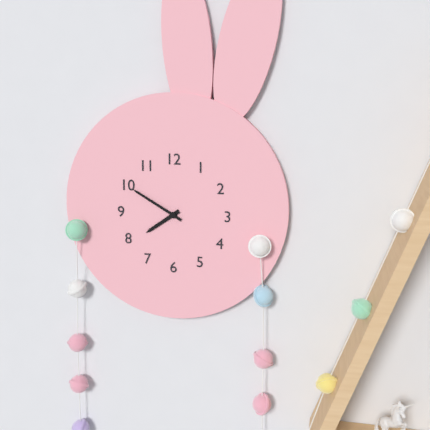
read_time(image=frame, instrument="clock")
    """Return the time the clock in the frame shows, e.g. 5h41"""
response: 7h50
